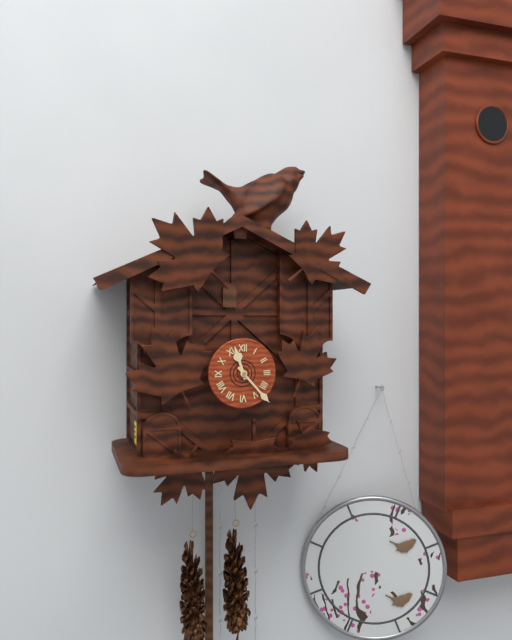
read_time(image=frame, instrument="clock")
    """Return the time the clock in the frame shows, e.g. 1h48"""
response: 11h23
